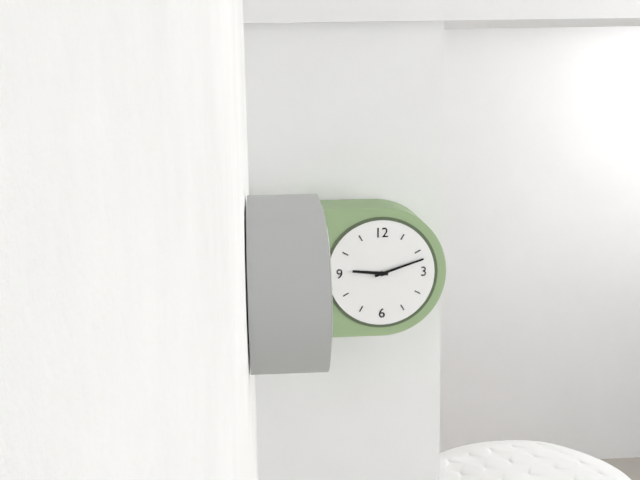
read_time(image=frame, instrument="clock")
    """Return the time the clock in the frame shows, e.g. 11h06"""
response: 9h12
